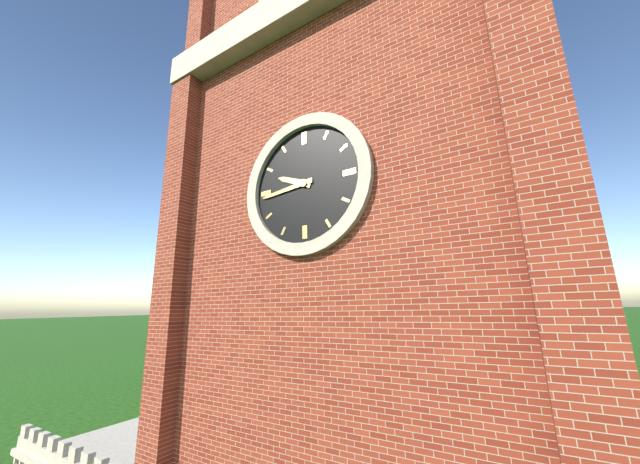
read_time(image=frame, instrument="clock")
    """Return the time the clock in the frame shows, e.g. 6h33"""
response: 9h44
